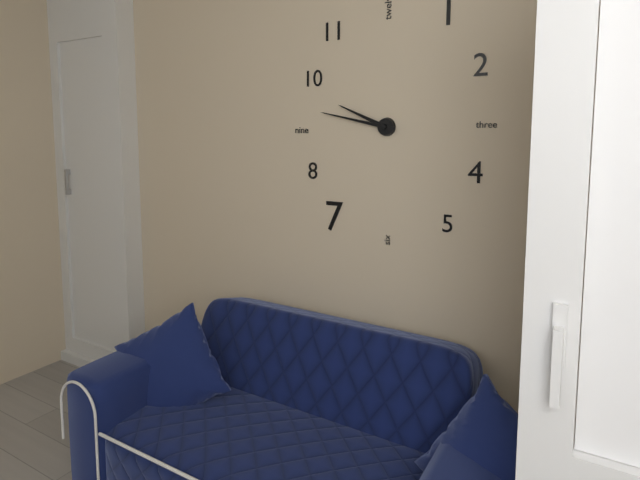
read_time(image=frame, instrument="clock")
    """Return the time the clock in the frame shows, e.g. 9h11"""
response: 9h47
